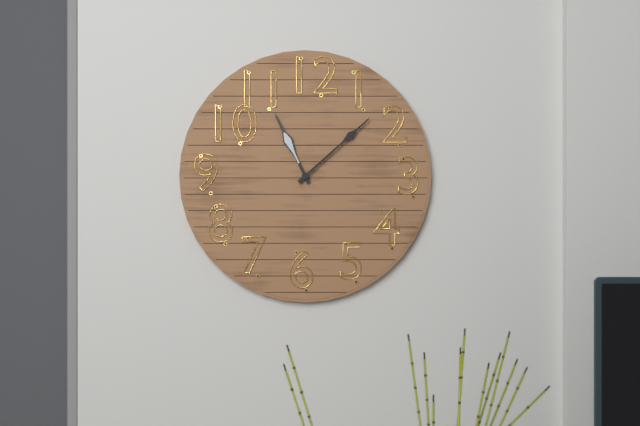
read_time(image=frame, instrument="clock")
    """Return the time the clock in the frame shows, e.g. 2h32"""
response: 11h08
